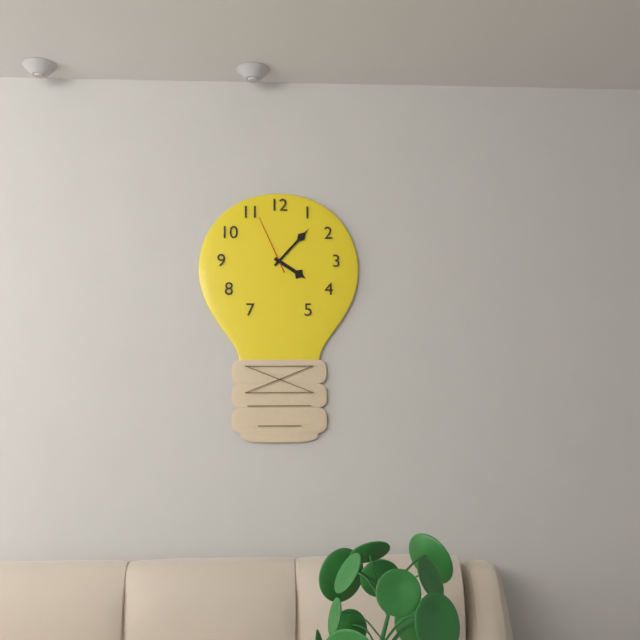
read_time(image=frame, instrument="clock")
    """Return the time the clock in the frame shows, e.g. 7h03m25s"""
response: 4h07m56s
